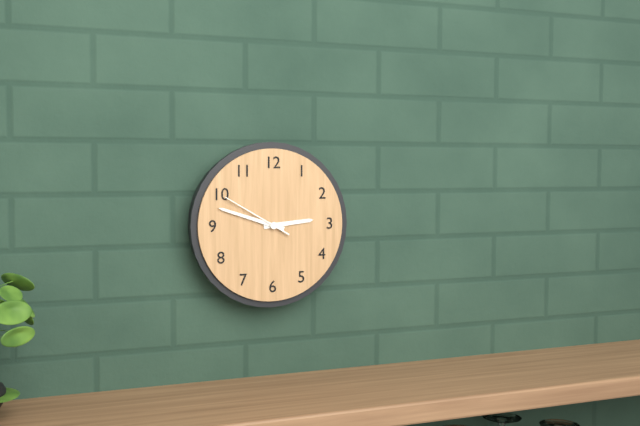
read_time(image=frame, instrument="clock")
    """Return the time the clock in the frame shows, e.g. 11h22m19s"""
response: 2h48m50s
